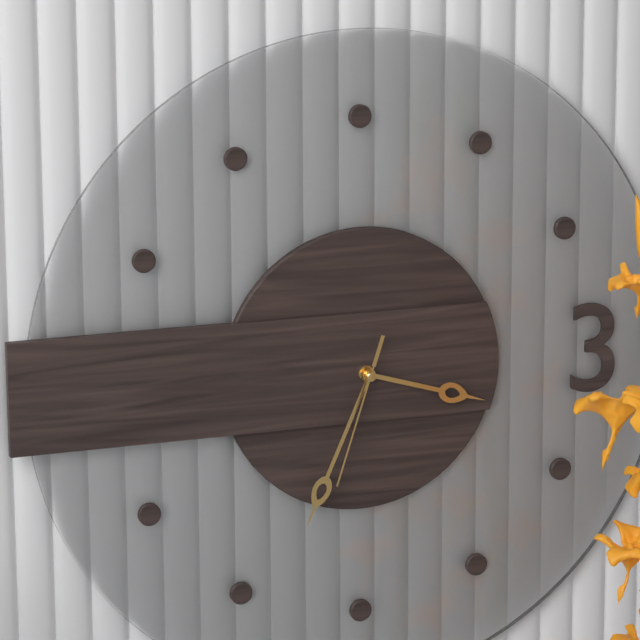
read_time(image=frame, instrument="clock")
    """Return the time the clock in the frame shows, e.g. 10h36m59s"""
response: 3h34m33s
